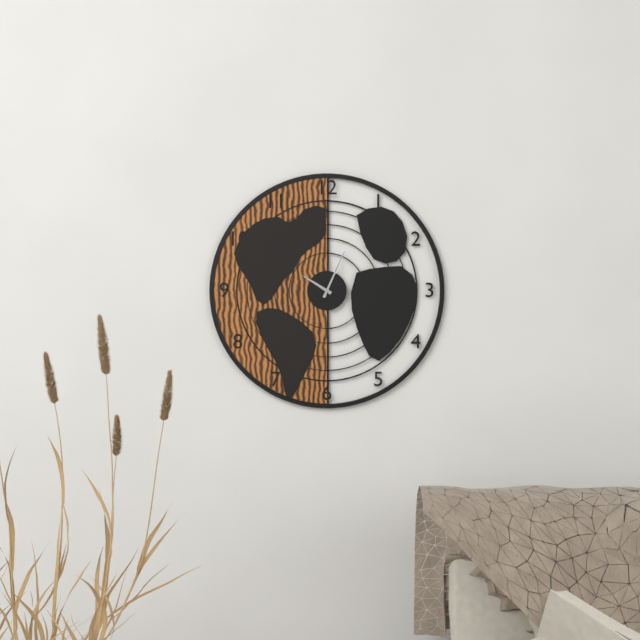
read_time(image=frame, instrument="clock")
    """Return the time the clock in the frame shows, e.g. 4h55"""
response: 10h04
